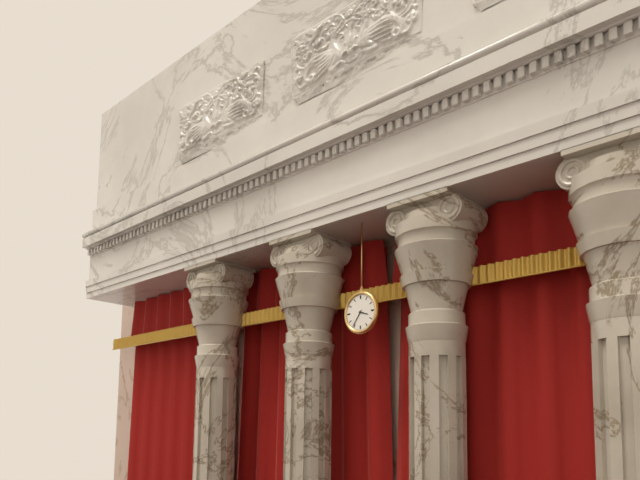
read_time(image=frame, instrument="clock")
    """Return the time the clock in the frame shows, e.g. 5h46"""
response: 3h36
